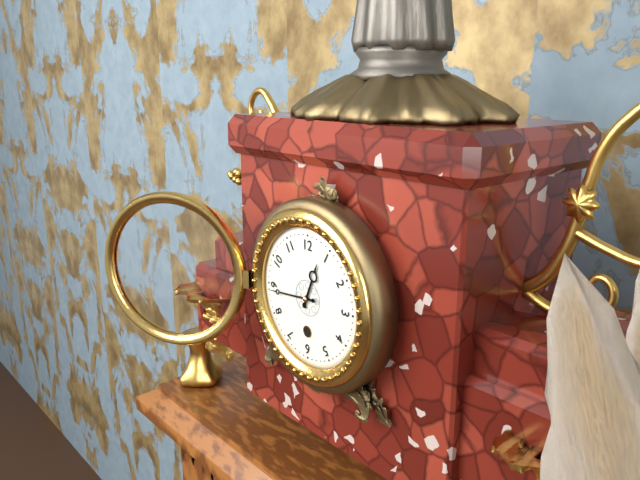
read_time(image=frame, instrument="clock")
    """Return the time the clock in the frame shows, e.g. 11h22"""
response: 12h44
